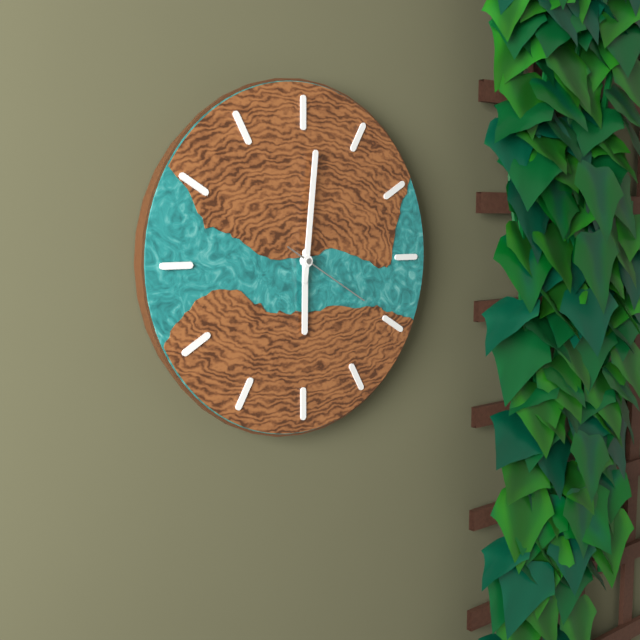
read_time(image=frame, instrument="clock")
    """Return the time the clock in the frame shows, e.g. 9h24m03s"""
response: 6h01m20s
